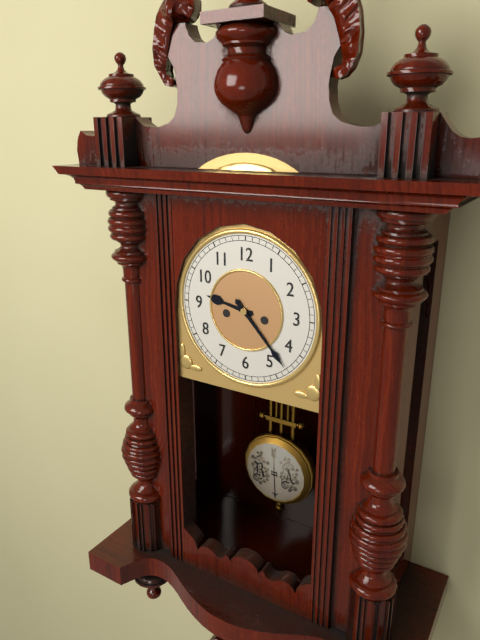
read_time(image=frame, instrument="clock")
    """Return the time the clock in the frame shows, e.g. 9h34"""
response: 9h23
